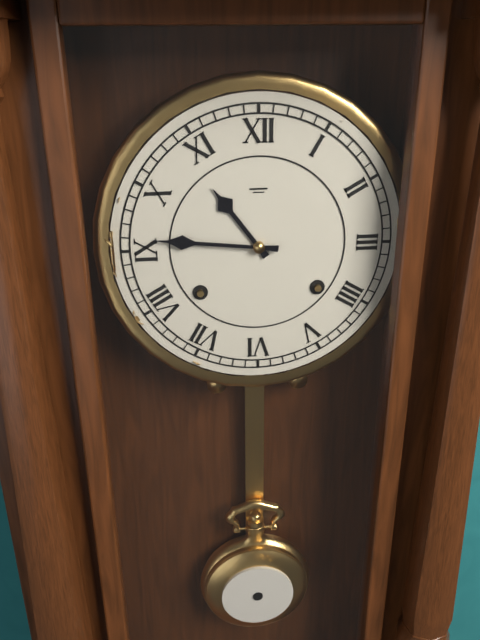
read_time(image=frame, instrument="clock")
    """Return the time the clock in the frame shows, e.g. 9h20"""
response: 10h46
